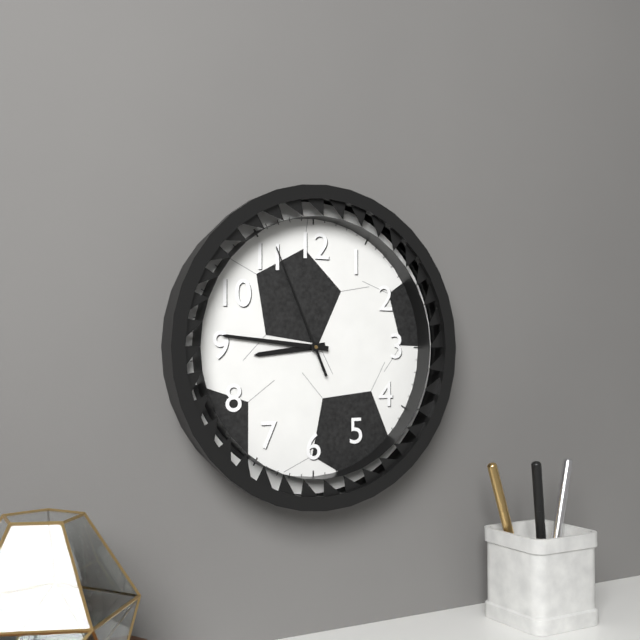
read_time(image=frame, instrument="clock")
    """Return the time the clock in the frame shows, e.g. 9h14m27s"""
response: 8h46m56s
